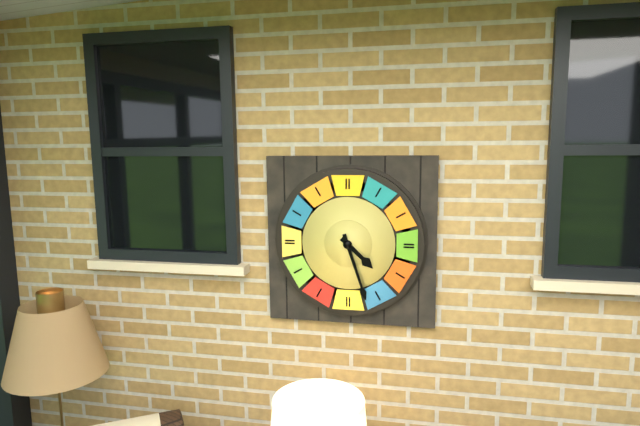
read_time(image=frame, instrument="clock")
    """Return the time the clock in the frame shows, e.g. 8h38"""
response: 4h27
